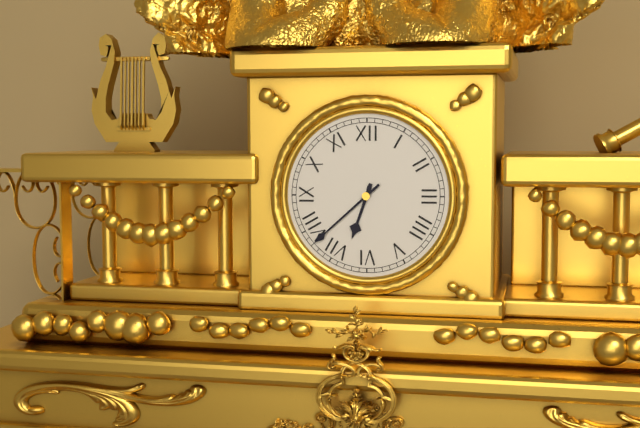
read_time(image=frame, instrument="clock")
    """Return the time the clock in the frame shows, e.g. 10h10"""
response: 6h38
